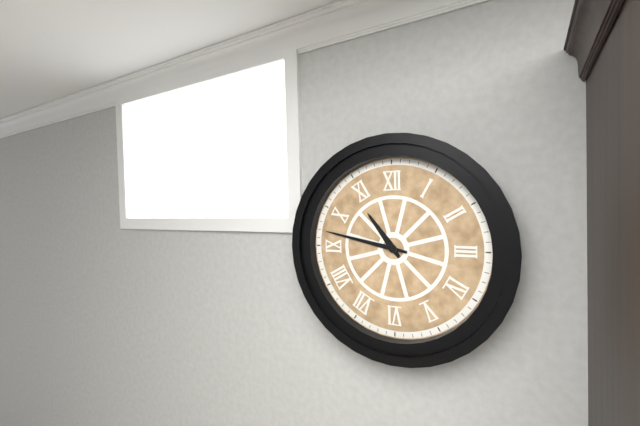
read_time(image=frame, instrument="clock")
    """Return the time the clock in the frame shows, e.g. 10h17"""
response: 10h47
